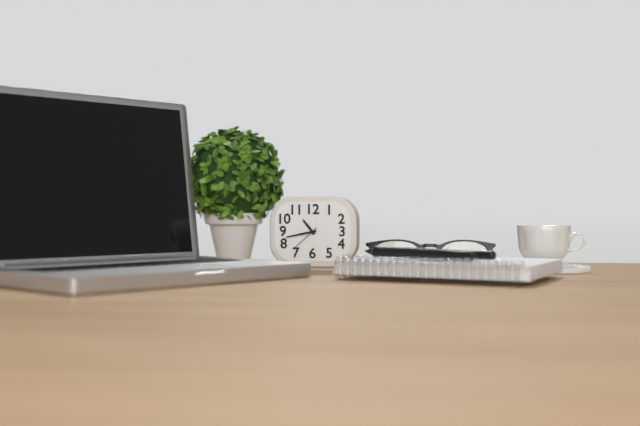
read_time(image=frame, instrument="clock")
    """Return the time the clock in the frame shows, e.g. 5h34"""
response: 10h43
